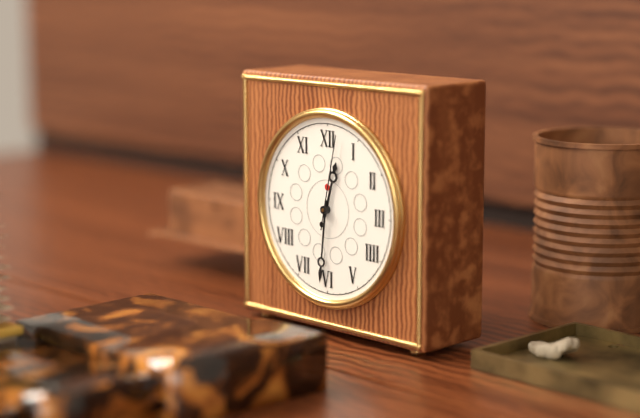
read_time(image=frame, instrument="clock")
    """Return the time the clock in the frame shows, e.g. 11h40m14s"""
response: 12h31m02s
